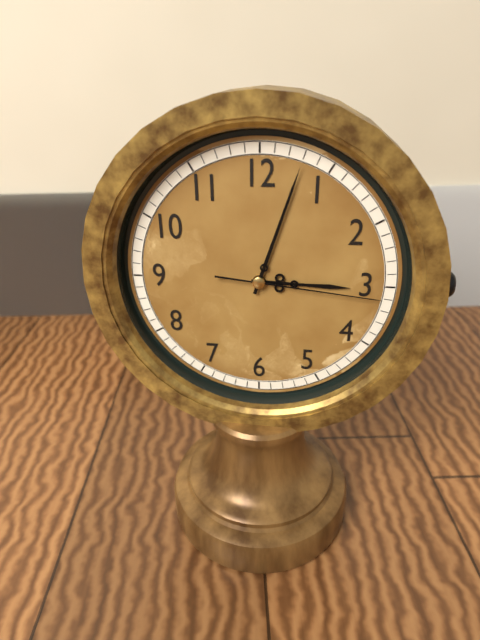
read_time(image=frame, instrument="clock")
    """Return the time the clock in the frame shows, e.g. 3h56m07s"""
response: 3h03m16s
